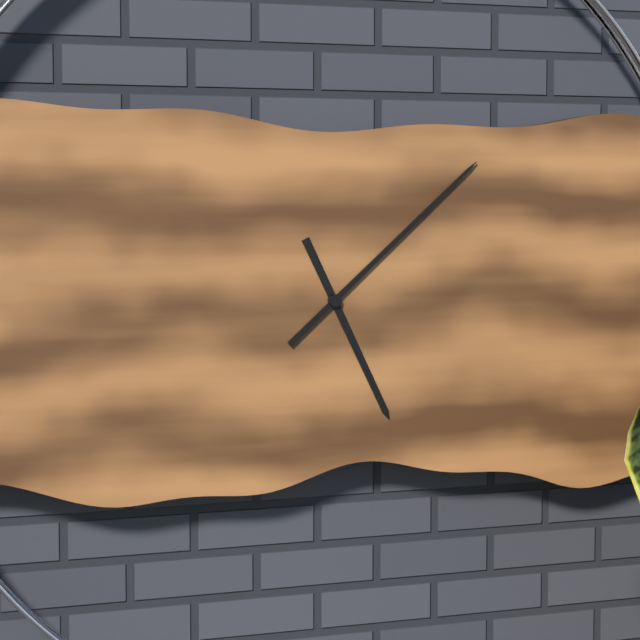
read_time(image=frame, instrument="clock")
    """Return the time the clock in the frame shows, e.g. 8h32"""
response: 5h08
